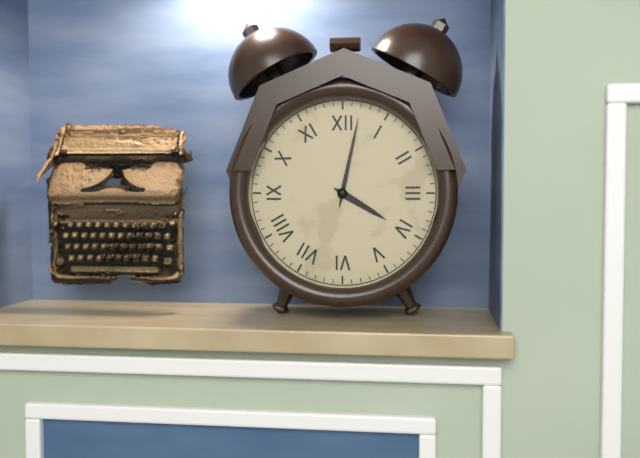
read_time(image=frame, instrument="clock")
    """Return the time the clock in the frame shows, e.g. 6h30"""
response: 4h02
